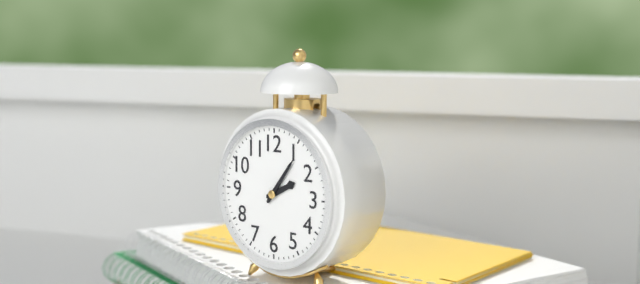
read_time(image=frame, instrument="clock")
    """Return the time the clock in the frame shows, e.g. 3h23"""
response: 2h06
